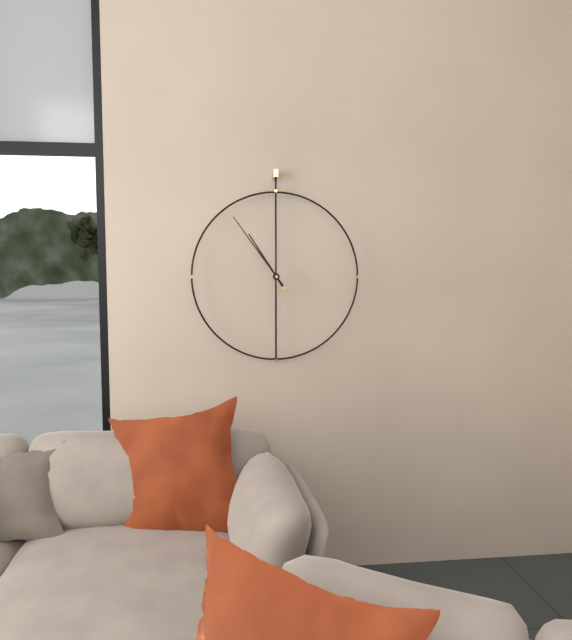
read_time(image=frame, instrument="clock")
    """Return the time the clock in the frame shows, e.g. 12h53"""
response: 10h54
